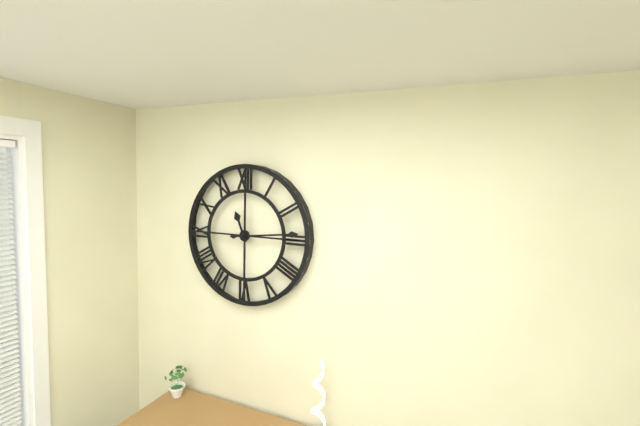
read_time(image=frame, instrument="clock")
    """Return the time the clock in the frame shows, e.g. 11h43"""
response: 11h14
